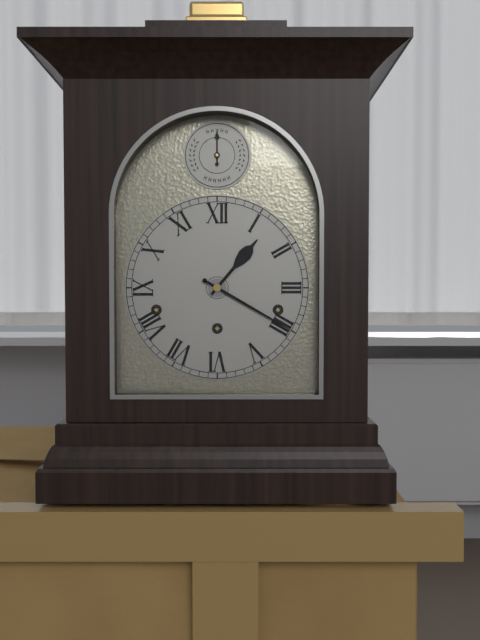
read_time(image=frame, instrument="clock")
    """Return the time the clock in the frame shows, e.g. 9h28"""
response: 1h20
